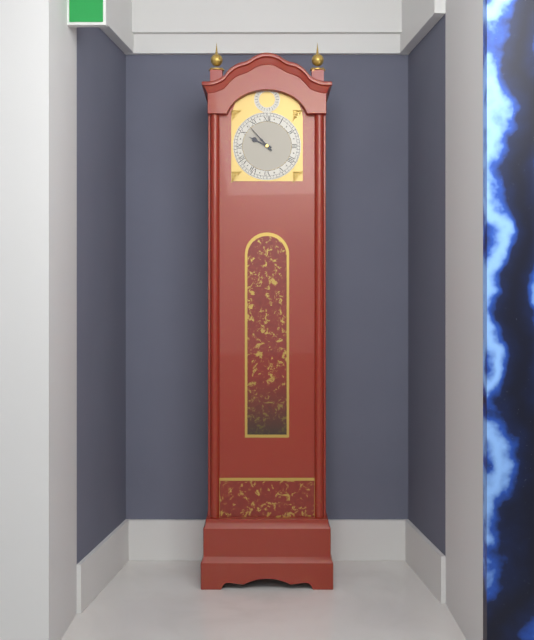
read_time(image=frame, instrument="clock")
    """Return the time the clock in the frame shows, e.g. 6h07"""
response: 9h53
